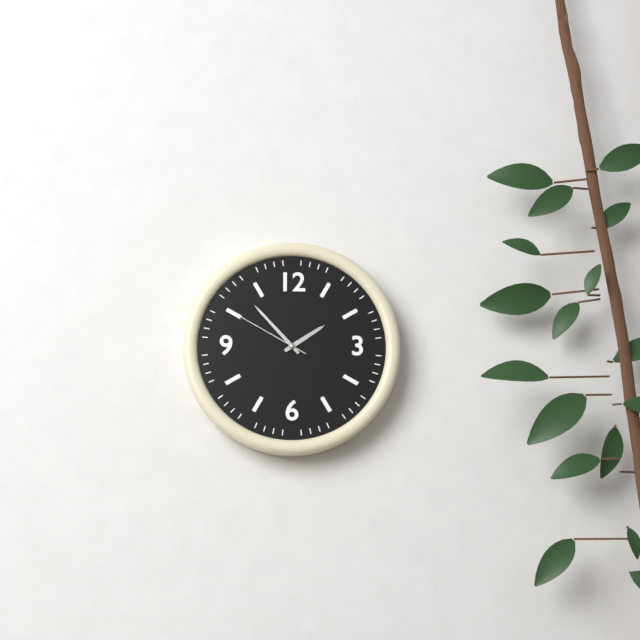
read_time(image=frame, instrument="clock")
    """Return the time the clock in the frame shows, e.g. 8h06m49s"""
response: 1h53m50s
